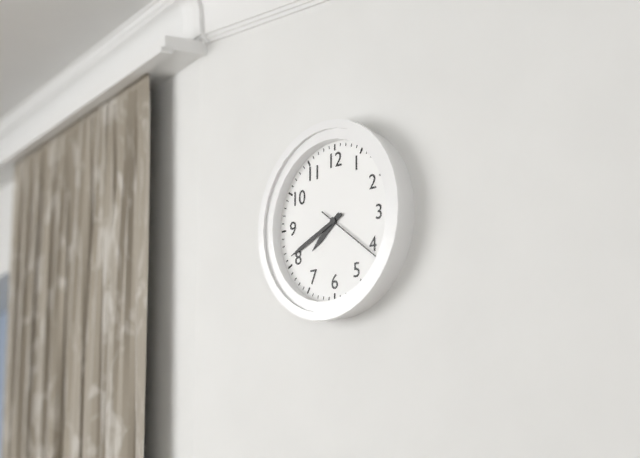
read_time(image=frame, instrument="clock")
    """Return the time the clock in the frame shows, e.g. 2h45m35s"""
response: 7h41m21s
